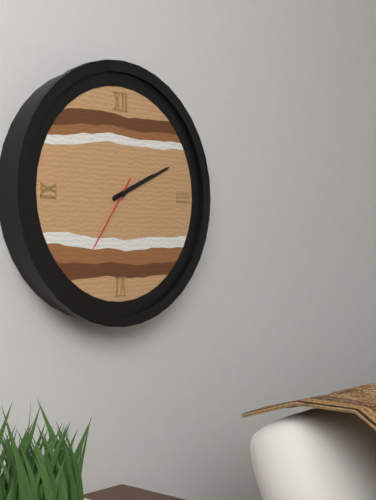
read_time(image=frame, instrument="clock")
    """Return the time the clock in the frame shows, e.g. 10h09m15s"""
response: 2h11m36s
